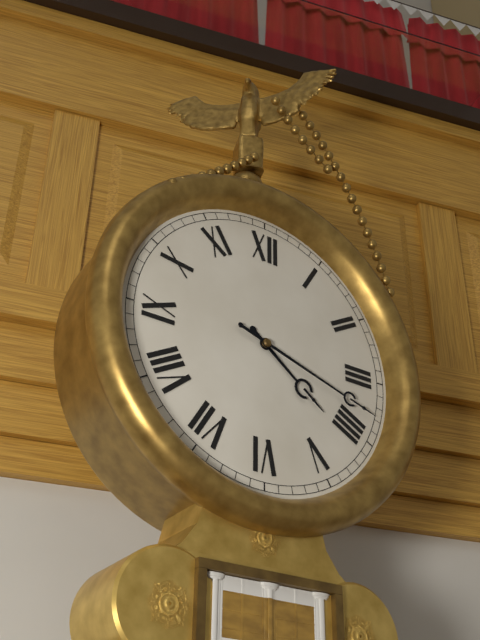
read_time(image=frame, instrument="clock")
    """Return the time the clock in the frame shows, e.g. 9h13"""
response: 4h18
